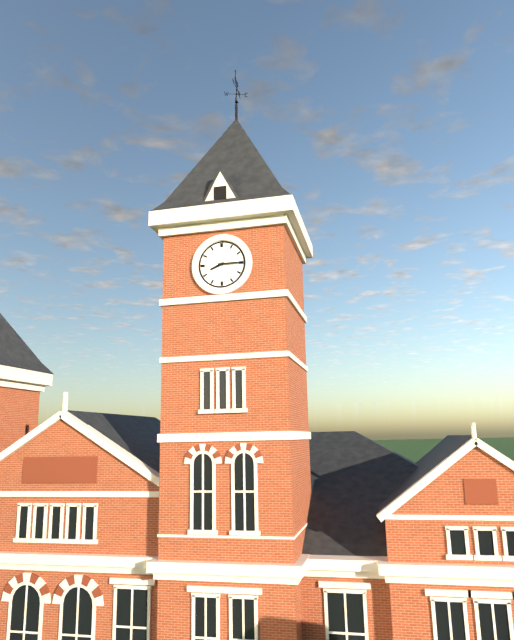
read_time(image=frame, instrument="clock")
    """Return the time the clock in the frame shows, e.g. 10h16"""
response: 8h15
